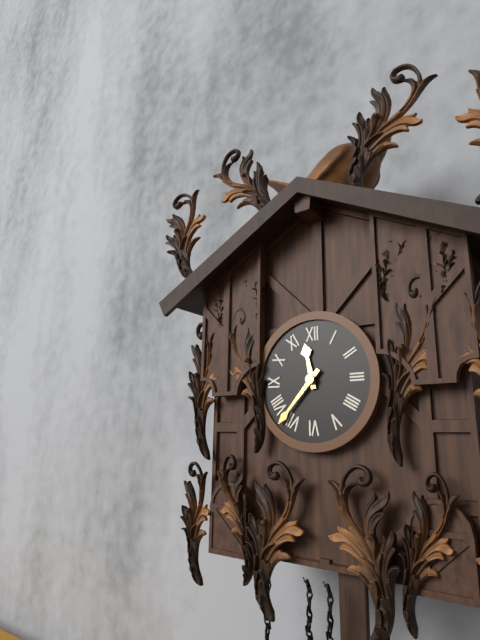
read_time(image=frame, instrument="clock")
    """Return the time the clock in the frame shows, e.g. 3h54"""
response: 11h37
